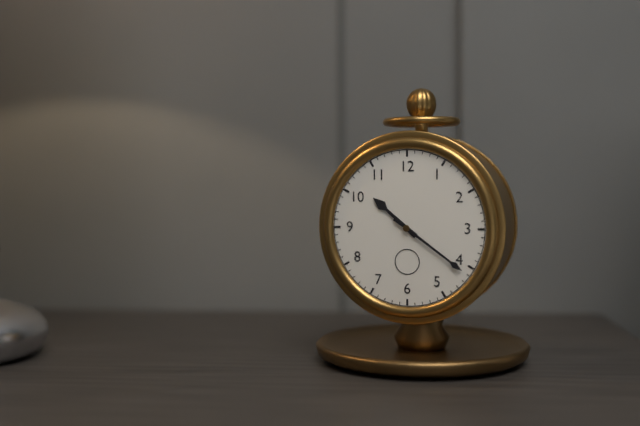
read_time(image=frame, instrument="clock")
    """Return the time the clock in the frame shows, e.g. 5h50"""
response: 10h21
